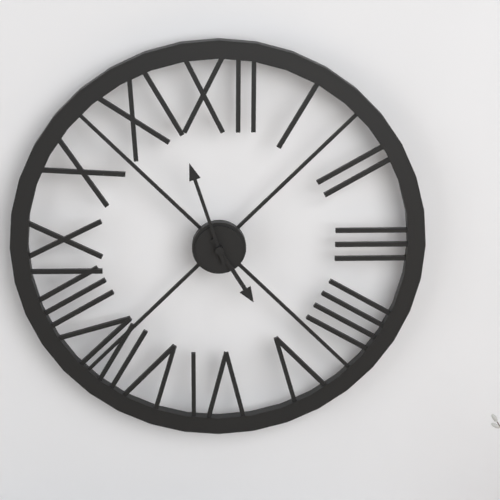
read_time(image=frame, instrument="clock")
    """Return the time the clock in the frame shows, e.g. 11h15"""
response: 4h57
